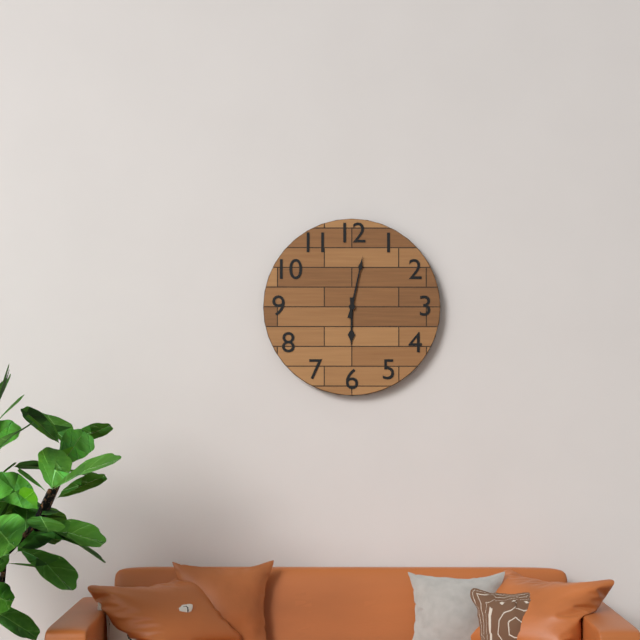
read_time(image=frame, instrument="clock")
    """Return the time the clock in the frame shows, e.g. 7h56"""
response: 6h02
